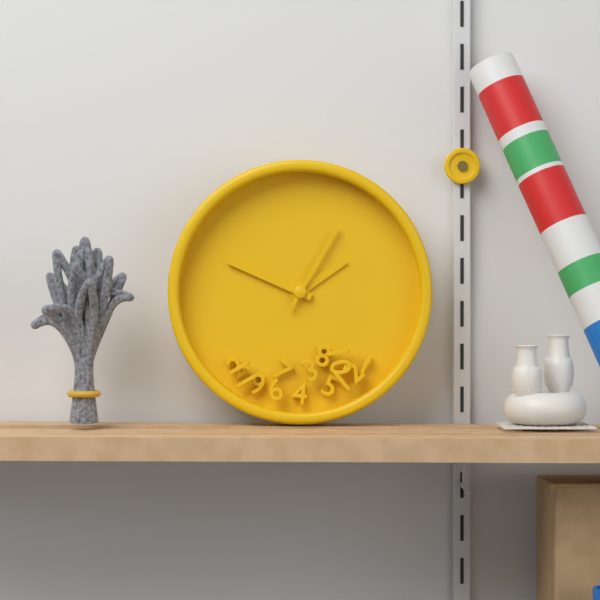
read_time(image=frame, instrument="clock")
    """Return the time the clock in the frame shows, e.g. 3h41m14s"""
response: 1h49m05s
